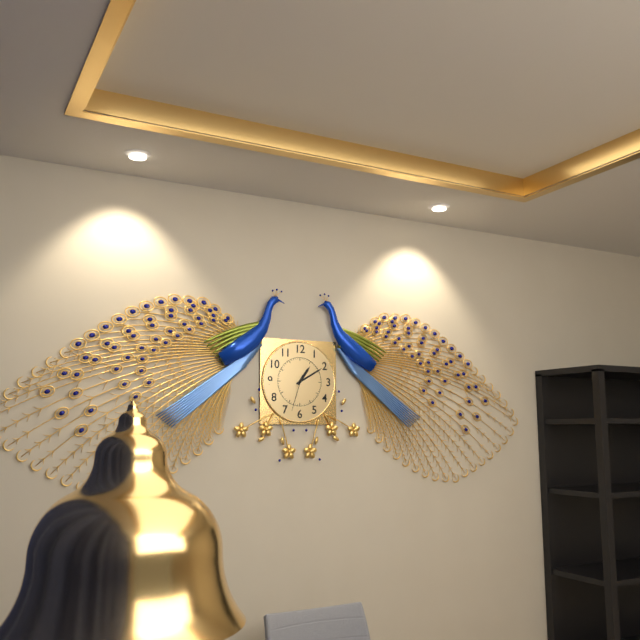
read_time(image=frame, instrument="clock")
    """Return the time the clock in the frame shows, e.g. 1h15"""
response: 1h10
